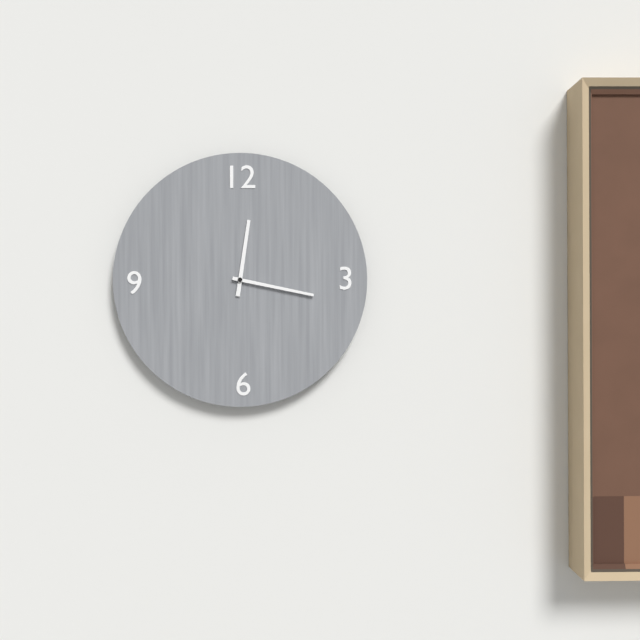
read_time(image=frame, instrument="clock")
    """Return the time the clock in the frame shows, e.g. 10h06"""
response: 12h17
